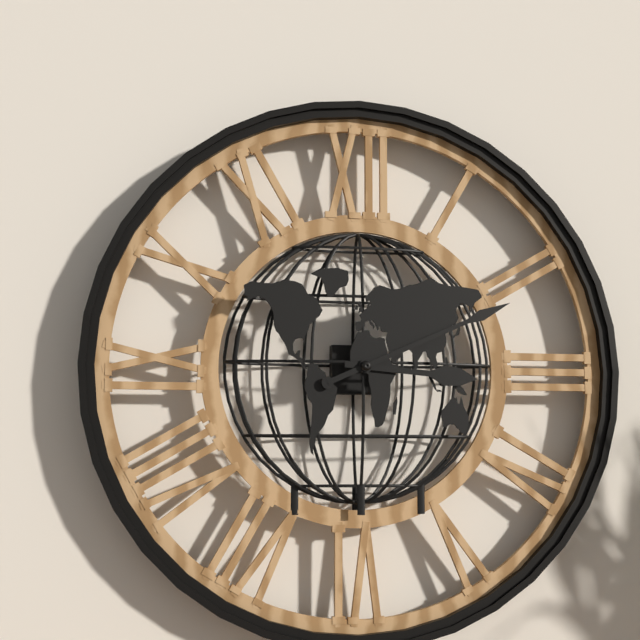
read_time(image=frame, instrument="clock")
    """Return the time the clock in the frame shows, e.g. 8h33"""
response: 3h11
